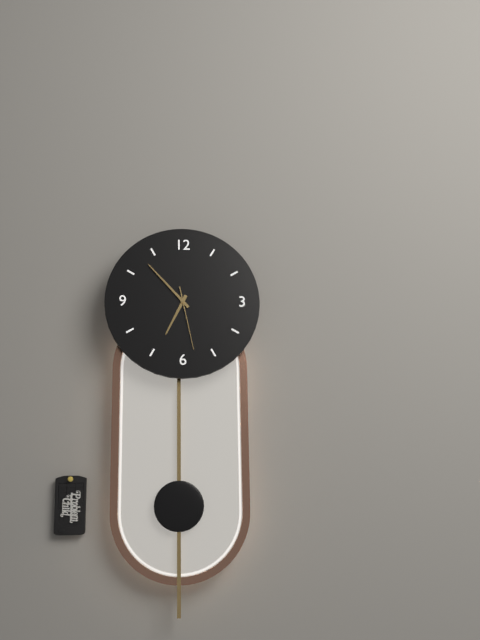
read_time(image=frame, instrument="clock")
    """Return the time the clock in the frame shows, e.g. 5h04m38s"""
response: 6h53m28s
